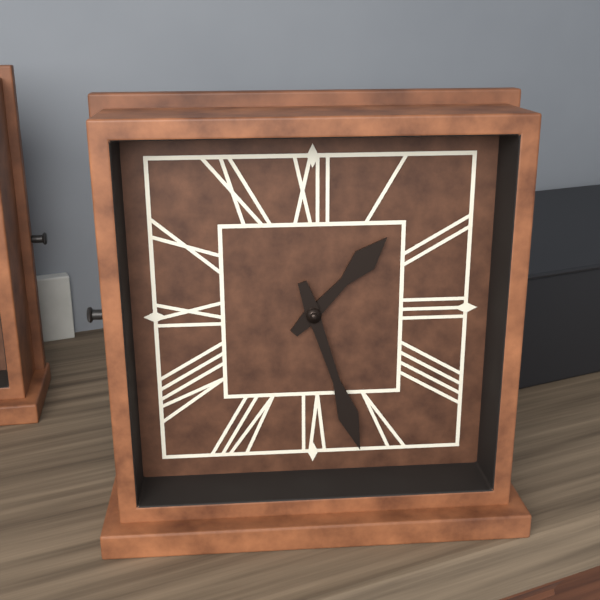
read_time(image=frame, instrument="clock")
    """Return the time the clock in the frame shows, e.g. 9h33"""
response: 1h27
